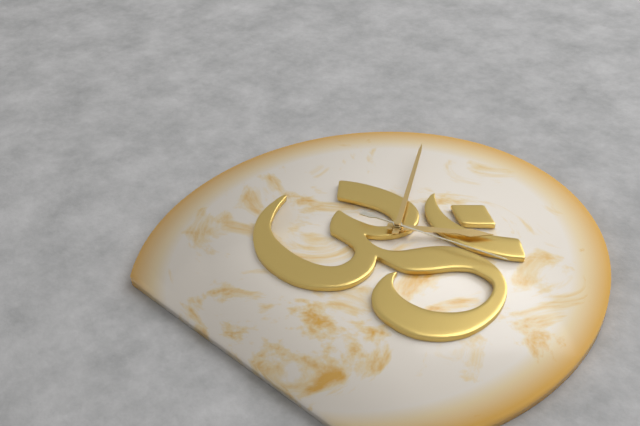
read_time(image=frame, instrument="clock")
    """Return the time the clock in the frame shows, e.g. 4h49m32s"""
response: 1h55m13s
